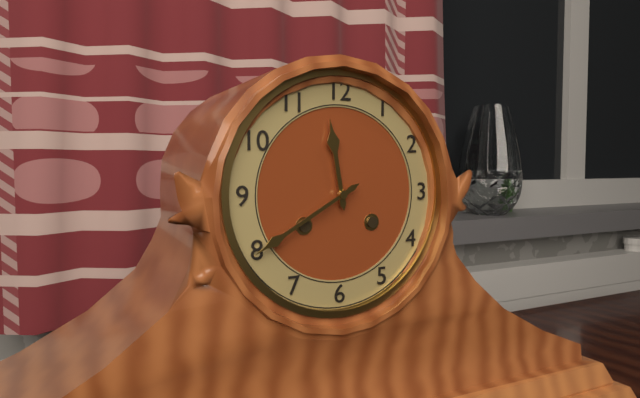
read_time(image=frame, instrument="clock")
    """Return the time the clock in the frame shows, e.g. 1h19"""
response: 11h40
